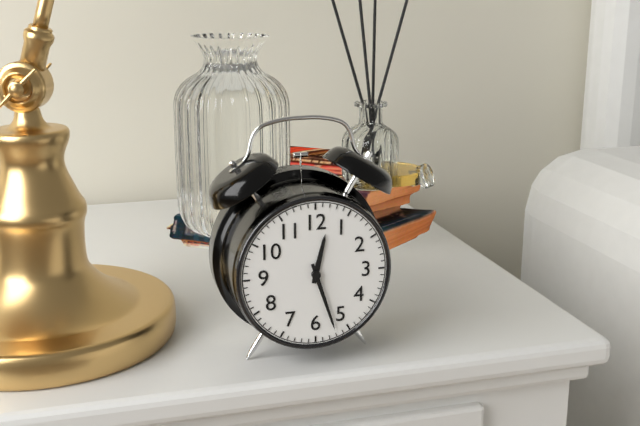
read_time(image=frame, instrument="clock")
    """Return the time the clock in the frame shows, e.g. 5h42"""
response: 12h27
